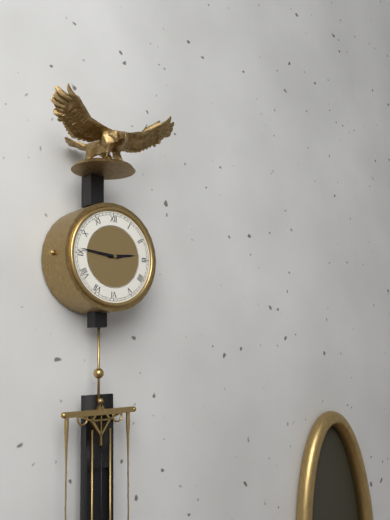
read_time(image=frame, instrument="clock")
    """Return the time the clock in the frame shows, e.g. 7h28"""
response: 2h46
